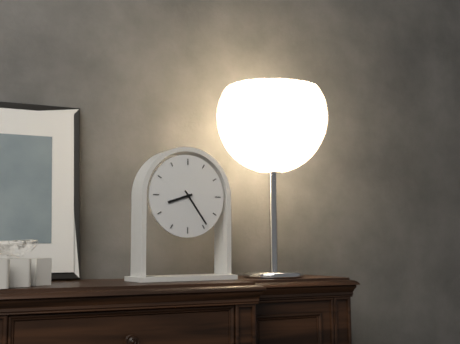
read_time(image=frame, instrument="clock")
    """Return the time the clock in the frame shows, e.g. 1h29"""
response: 8h24
